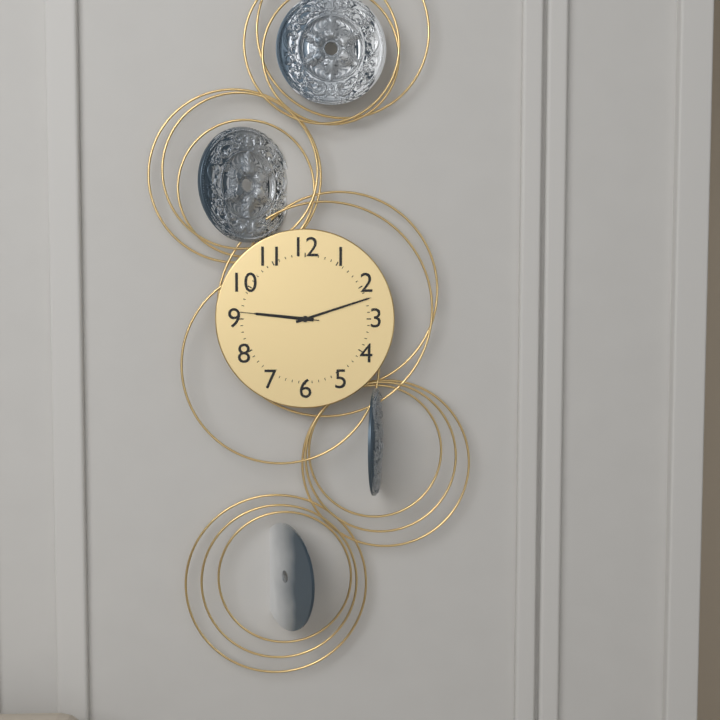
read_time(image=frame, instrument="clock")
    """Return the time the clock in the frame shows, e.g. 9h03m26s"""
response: 9h12m46s
